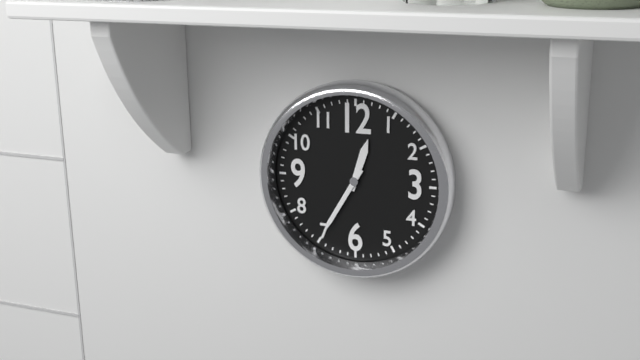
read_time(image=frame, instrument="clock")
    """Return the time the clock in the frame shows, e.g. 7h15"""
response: 12h35
